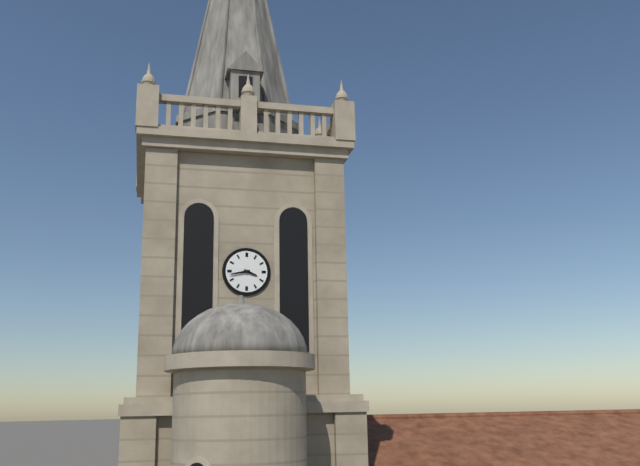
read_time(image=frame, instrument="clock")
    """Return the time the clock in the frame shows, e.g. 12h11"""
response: 3h43
